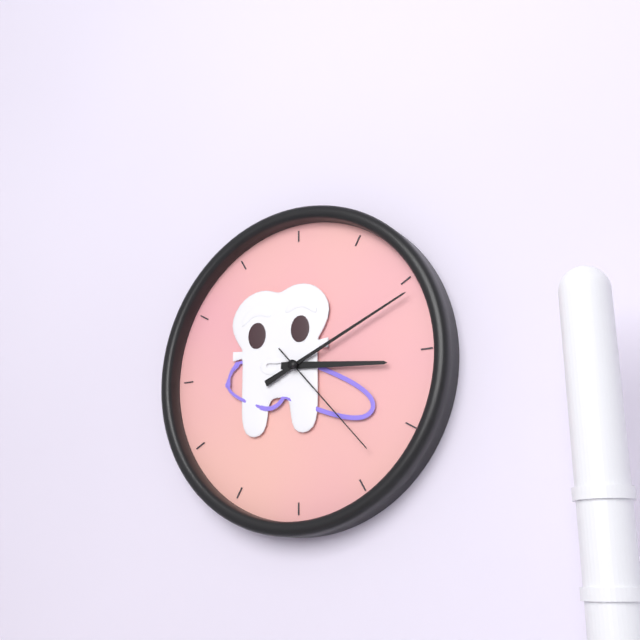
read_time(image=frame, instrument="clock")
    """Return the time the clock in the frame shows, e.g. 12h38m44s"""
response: 3h11m23s
